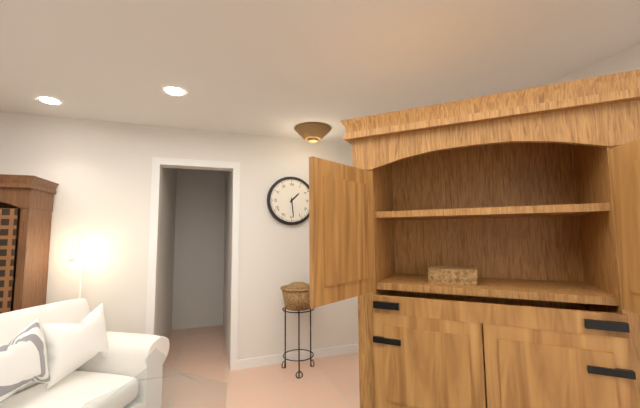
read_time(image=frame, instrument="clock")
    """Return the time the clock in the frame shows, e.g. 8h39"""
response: 1h29
